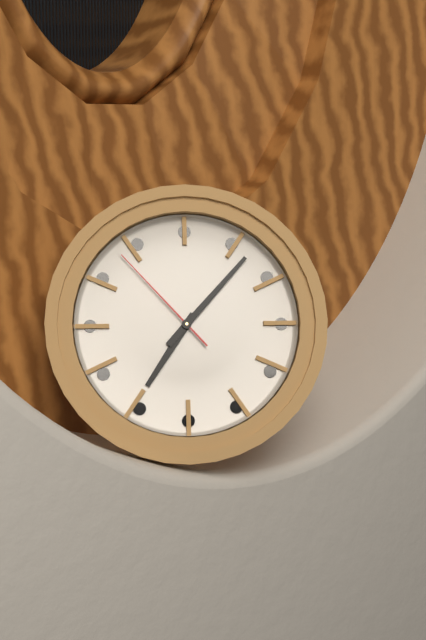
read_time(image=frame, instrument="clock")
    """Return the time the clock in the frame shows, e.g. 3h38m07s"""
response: 7h07m53s
